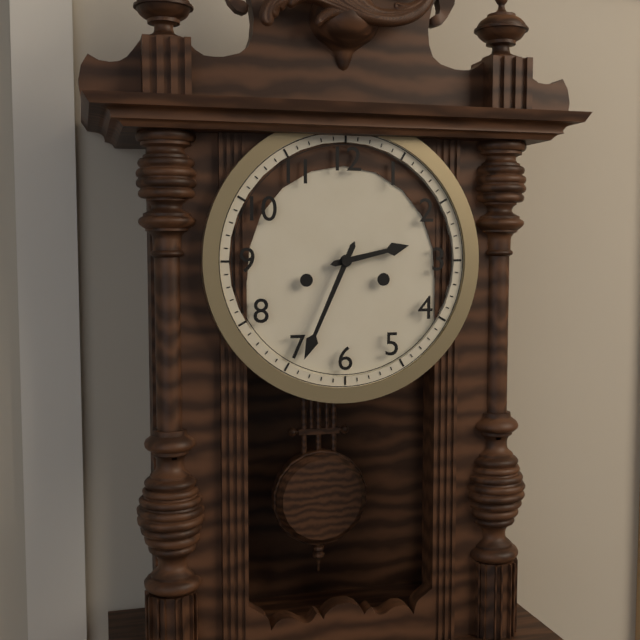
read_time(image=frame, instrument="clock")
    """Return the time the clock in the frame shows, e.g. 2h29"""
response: 2h34
